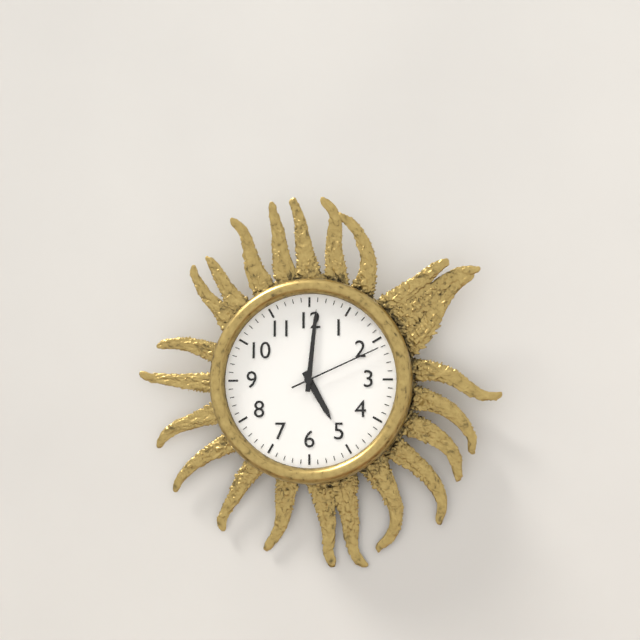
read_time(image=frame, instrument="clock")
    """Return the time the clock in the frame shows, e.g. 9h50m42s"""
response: 5h01m11s
